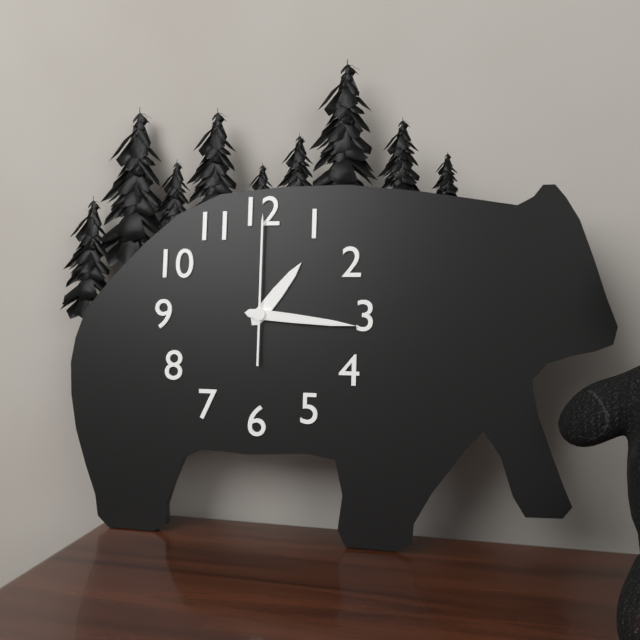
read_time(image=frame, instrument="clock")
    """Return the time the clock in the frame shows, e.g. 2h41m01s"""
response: 1h16m00s
